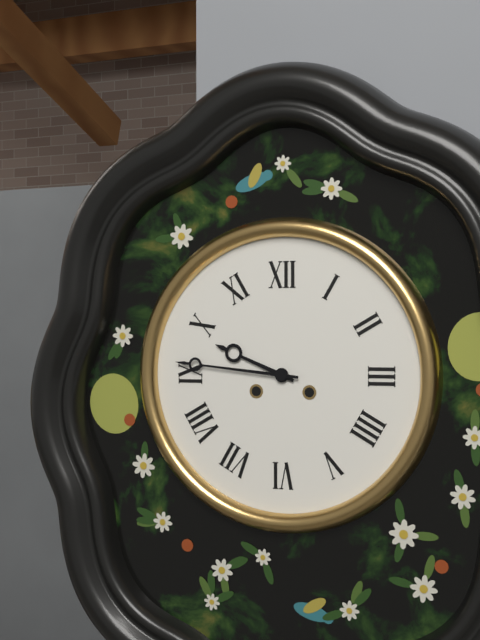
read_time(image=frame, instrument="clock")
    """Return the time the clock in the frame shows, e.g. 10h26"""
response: 9h46
